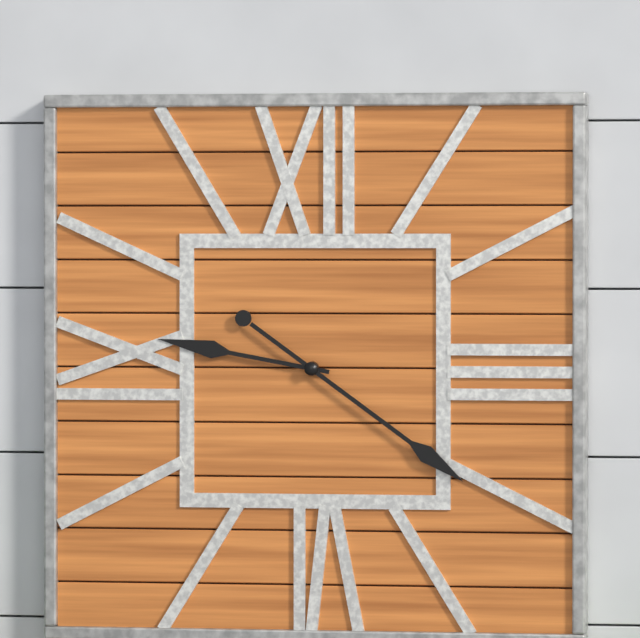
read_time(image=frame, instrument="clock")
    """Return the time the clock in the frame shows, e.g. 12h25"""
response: 9h21
